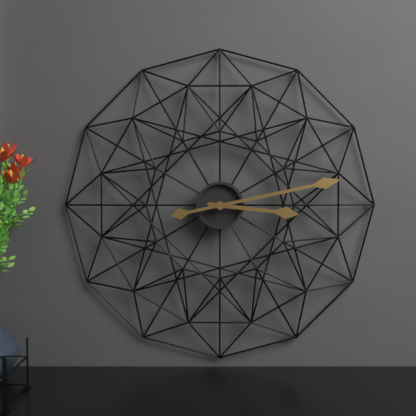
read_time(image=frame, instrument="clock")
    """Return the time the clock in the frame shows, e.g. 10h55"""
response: 3h13
